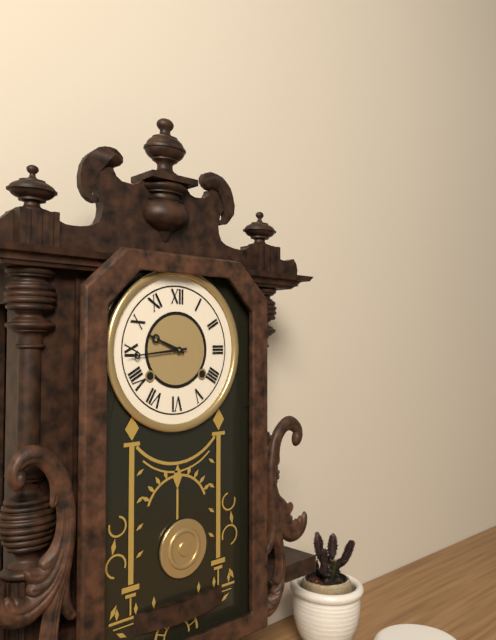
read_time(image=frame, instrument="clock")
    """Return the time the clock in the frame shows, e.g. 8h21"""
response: 9h44
